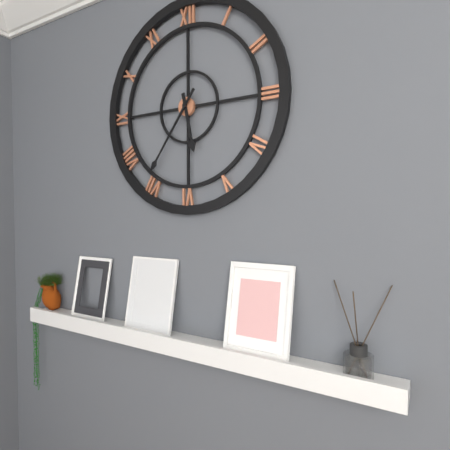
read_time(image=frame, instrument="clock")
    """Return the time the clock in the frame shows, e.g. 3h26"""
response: 5h36
